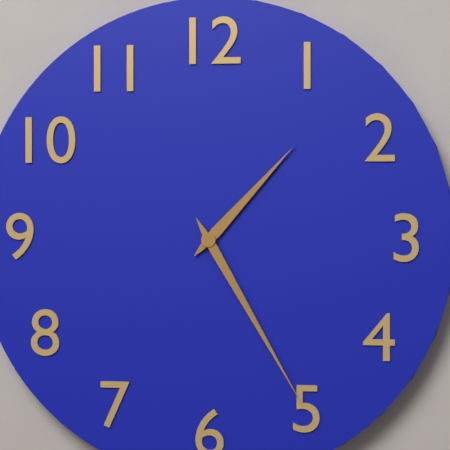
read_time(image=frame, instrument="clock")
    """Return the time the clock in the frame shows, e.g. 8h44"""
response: 1h25
